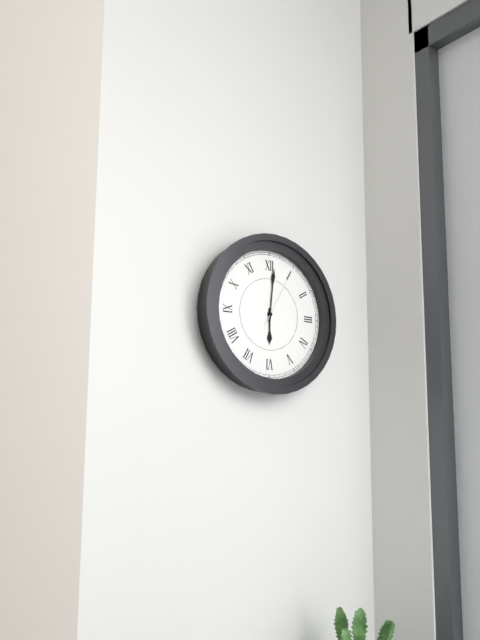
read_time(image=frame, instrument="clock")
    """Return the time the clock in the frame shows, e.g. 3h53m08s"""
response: 6h01m05s
